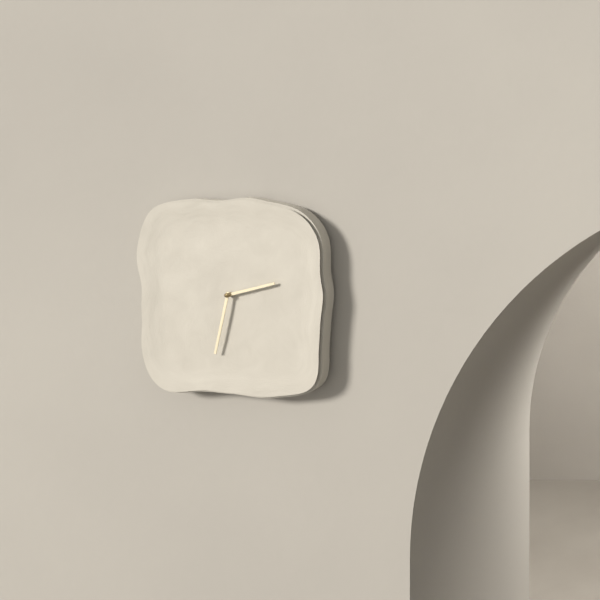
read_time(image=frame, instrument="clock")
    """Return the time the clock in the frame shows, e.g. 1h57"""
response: 2h32
